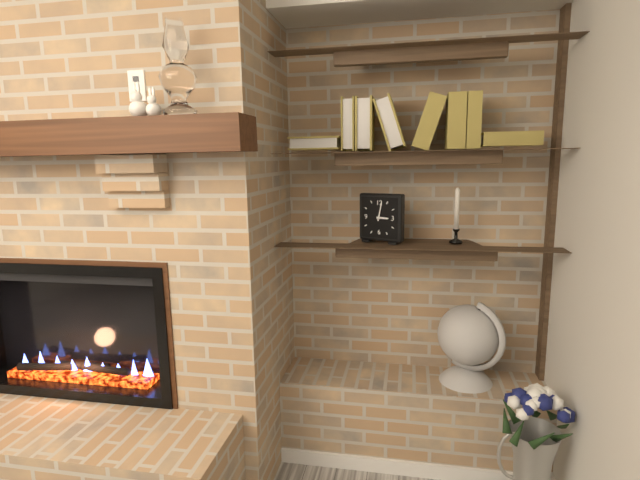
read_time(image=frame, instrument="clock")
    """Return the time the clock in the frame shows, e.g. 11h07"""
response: 3h02
